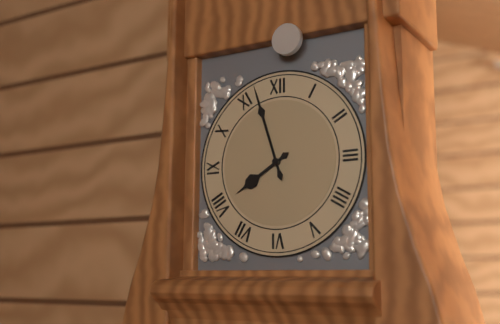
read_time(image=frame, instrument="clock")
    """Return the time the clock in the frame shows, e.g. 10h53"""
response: 7h57
